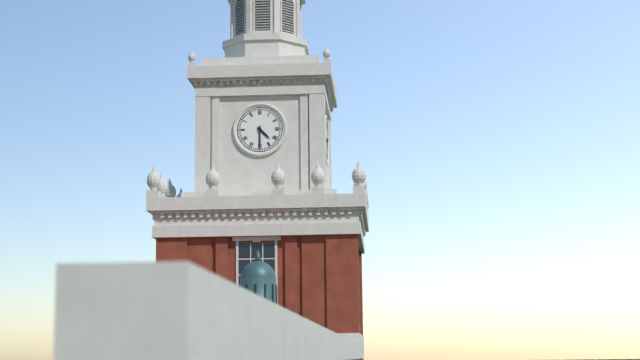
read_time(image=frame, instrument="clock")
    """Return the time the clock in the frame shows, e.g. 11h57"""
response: 4h30
